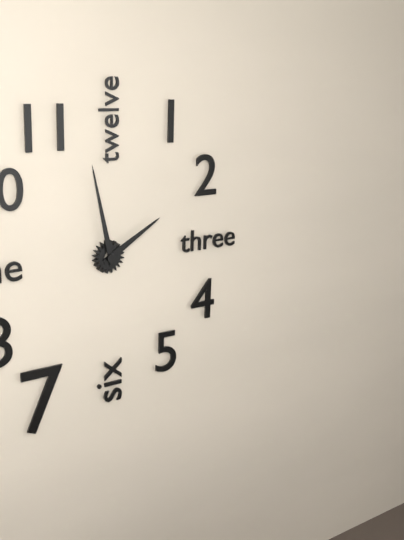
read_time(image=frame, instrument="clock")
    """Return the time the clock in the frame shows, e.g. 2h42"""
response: 1h58
